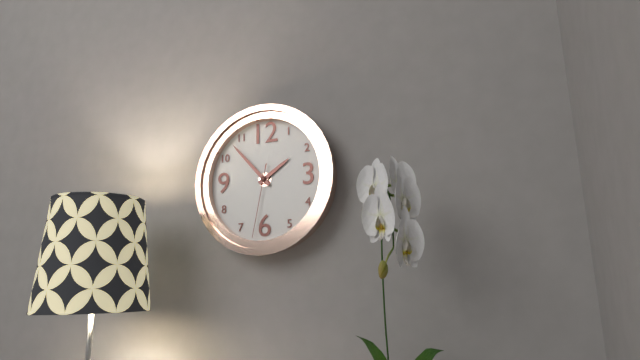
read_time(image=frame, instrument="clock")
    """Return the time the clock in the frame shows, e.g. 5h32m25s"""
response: 1h53m32s
